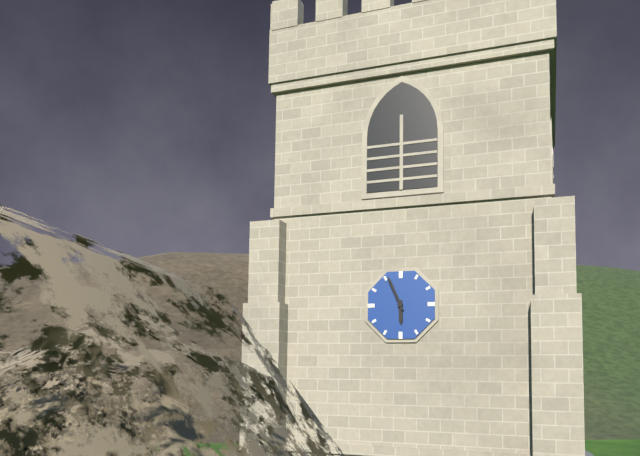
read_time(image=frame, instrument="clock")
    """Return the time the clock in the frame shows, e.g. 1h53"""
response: 5h56
